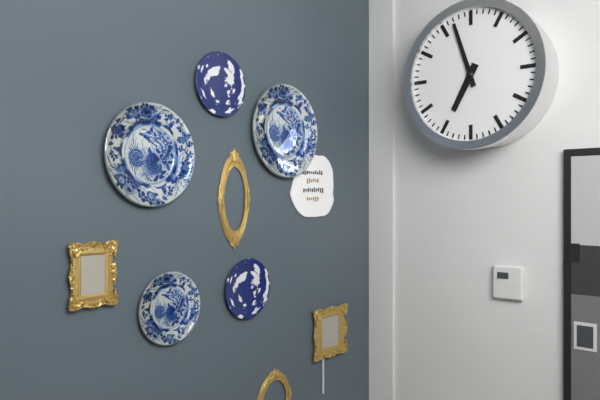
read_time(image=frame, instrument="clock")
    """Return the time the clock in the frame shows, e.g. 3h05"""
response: 6h57
